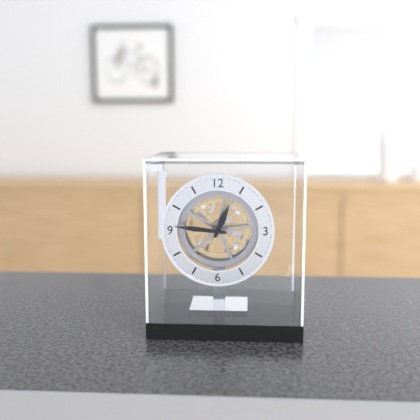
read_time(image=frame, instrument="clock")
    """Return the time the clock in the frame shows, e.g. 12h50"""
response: 12h46
